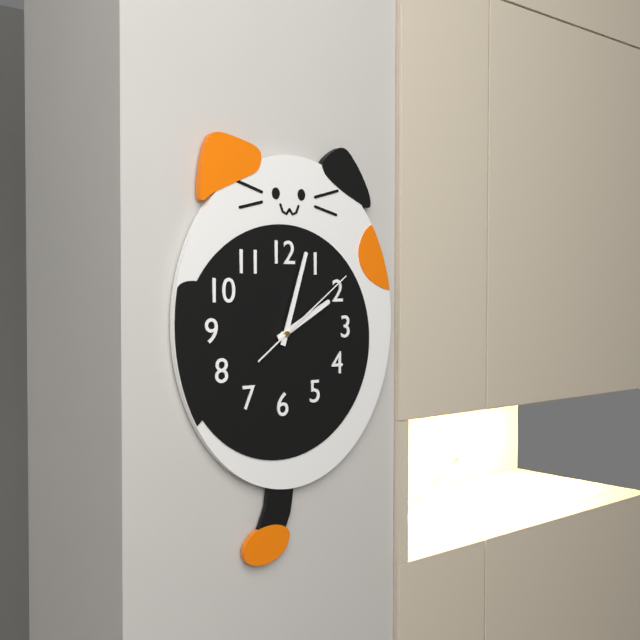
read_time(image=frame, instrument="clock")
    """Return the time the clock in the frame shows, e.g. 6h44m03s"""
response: 2h03m09s
